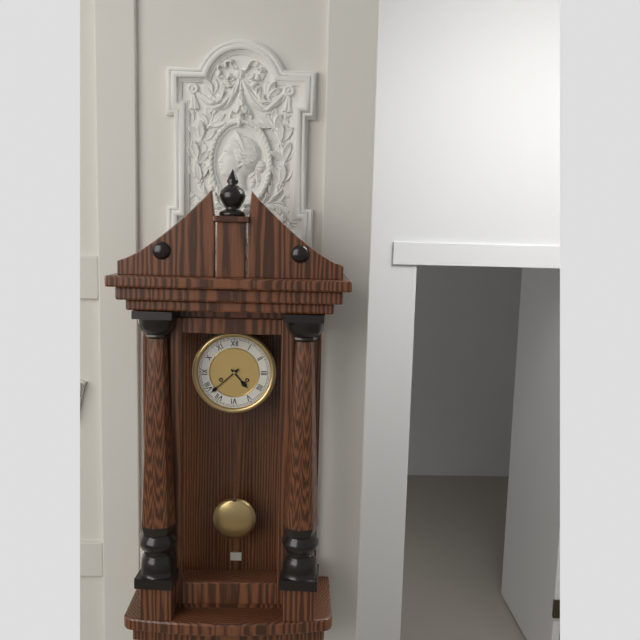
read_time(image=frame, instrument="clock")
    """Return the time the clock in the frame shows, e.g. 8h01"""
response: 4h38
